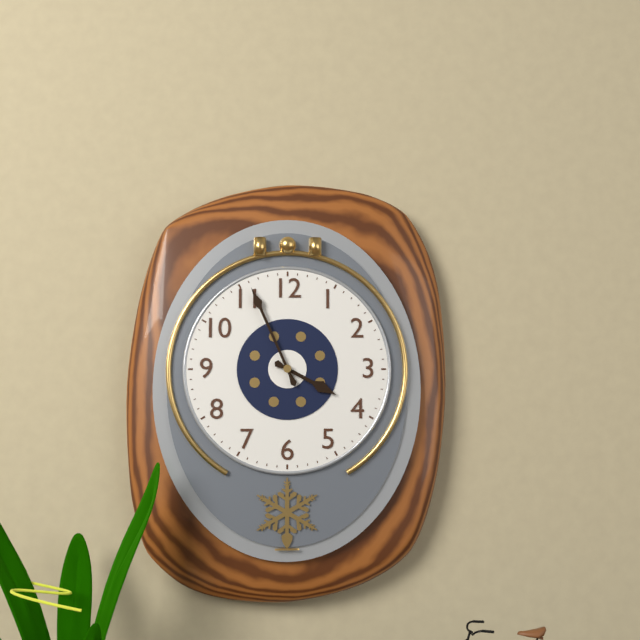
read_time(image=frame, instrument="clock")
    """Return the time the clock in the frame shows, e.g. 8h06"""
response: 3h56
